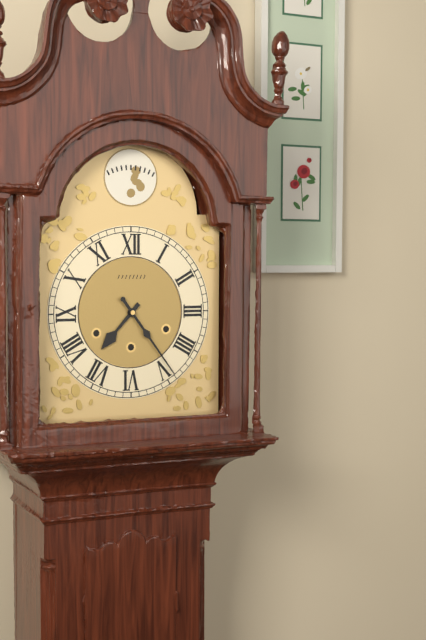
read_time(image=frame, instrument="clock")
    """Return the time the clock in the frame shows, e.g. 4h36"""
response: 7h24
